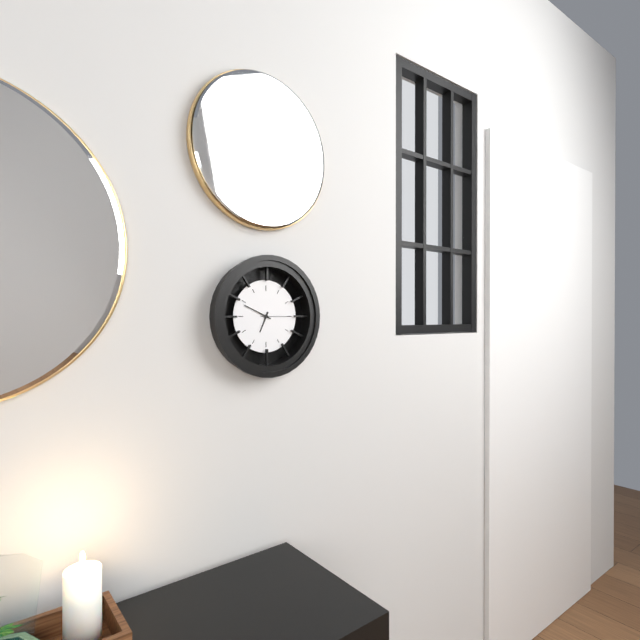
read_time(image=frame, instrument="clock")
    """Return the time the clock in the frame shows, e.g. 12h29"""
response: 6h49
